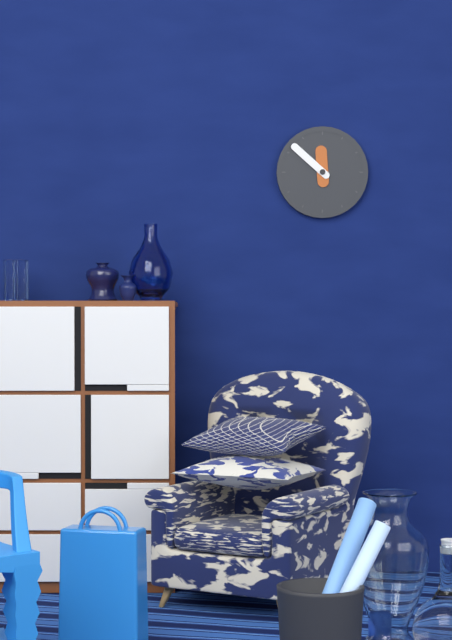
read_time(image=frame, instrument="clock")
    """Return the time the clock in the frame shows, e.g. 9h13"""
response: 11h52
